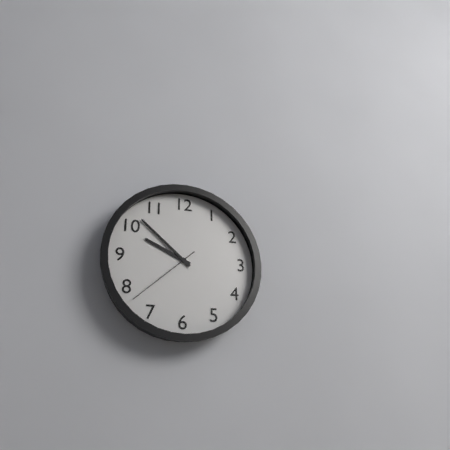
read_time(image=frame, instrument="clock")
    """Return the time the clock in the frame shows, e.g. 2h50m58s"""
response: 9h52m38s
